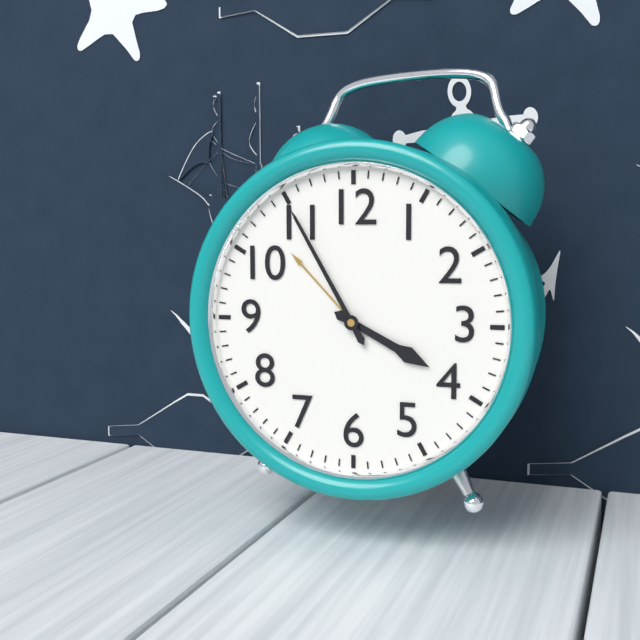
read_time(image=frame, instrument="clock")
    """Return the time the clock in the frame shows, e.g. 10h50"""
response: 3h55
